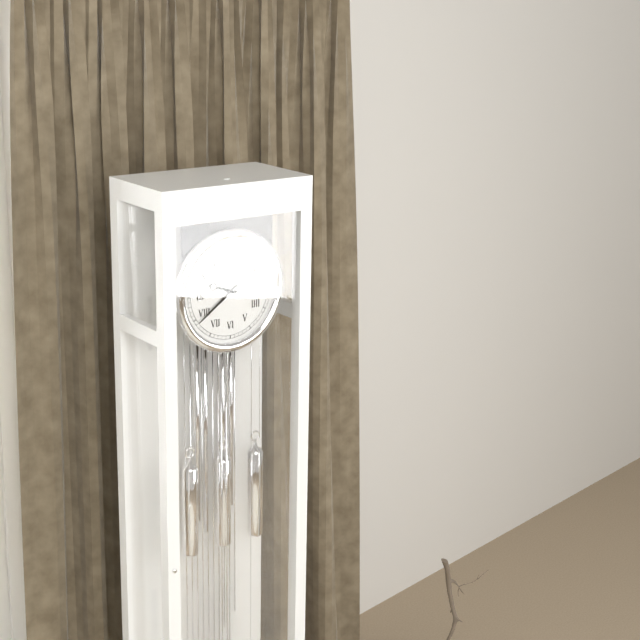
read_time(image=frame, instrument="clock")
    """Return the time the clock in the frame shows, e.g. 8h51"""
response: 9h39
